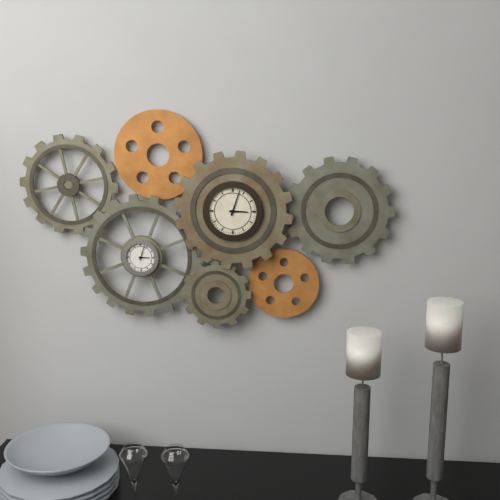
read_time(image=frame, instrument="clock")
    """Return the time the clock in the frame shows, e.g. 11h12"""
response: 3h03
